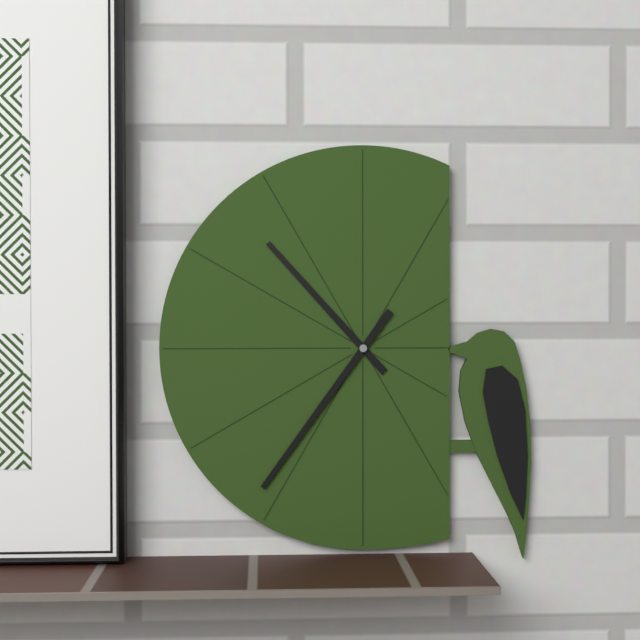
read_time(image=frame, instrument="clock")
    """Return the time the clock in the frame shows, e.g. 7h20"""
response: 10h36
